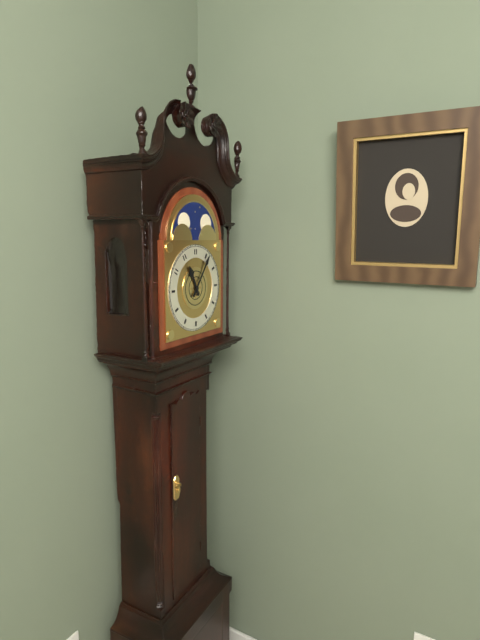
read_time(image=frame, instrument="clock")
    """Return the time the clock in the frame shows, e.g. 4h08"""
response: 11h06
